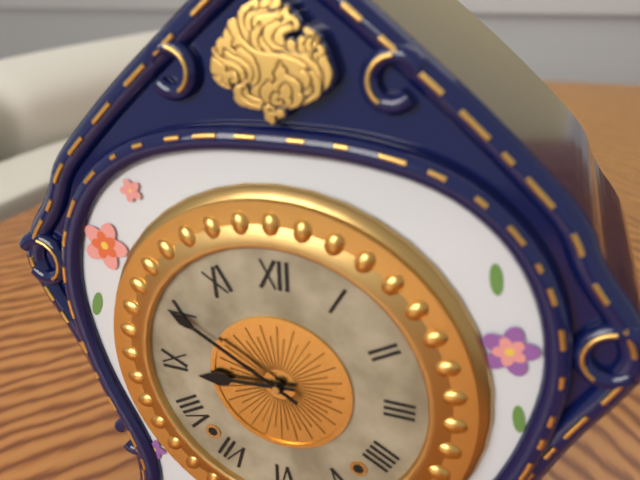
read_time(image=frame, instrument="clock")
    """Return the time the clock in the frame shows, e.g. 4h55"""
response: 8h50
